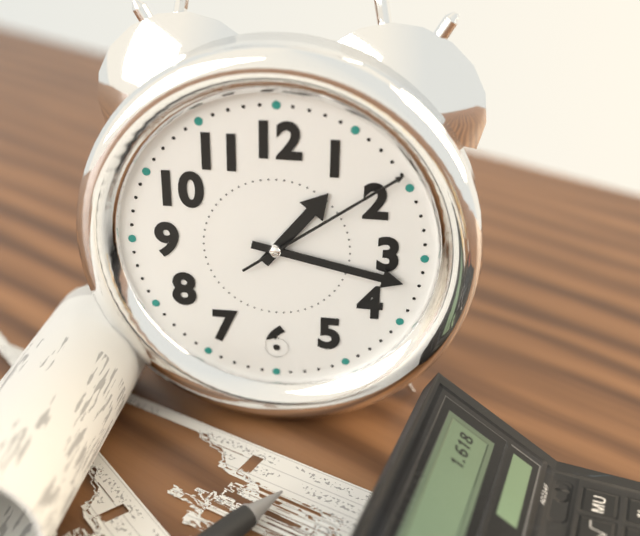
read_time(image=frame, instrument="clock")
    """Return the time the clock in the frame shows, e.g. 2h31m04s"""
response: 1h17m09s
